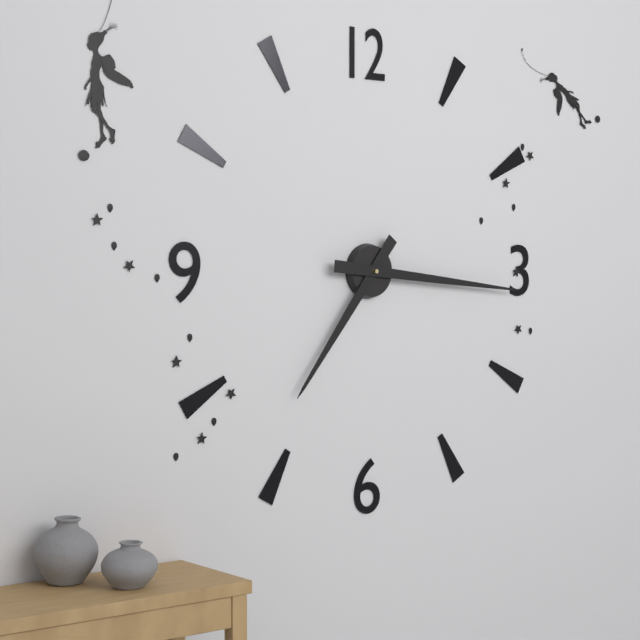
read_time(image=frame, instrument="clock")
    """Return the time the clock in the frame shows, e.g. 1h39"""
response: 7h16
